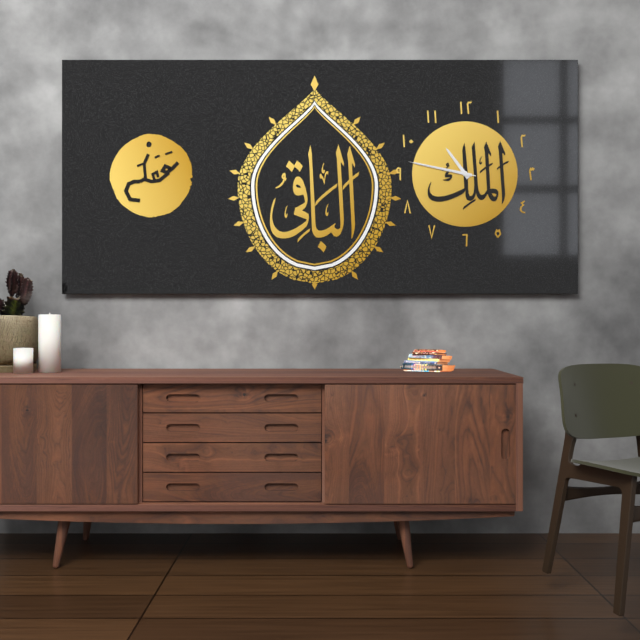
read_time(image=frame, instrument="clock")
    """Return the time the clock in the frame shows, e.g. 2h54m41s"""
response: 10h47m47s
